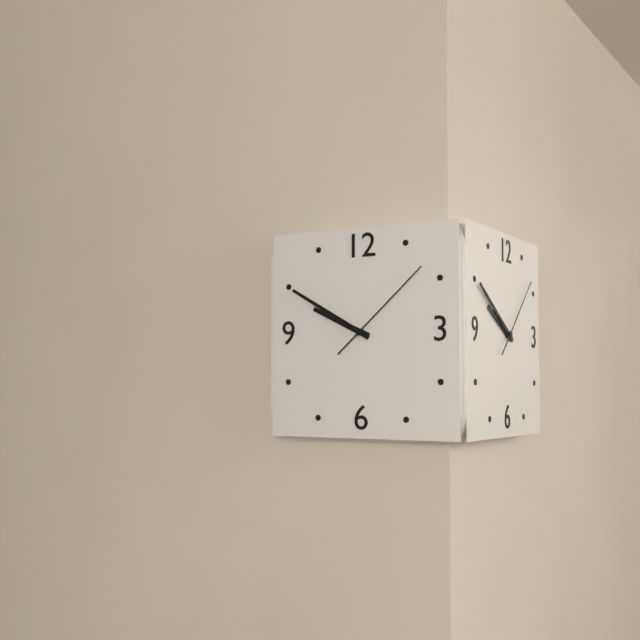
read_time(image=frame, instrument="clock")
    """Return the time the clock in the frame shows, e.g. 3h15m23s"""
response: 9h50m08s
